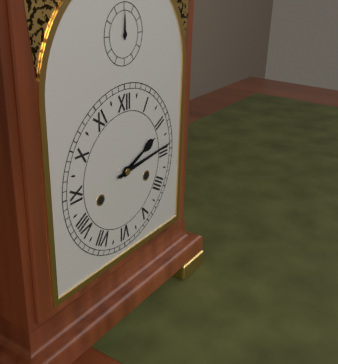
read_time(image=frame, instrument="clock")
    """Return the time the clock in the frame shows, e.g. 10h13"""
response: 2h14
